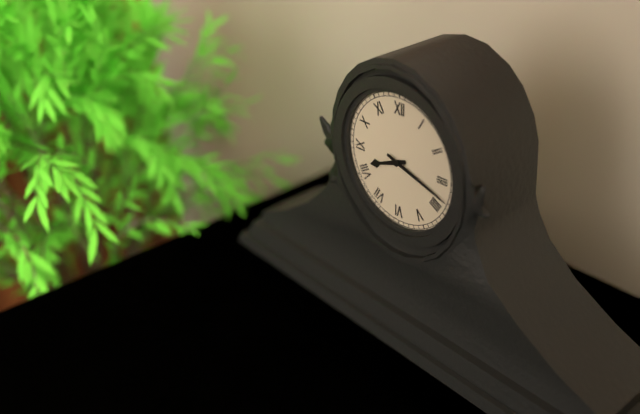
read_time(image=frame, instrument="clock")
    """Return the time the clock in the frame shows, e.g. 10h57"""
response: 8h18
